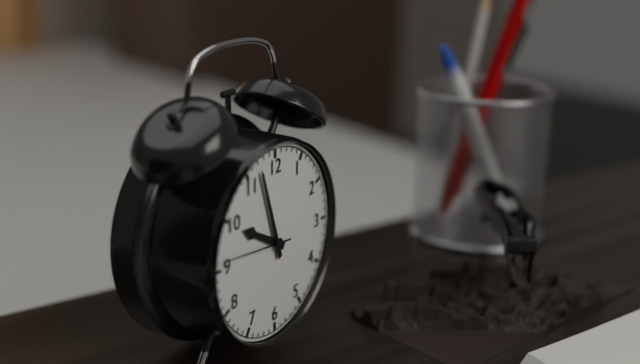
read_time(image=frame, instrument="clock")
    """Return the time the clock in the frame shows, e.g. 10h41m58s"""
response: 9h57m46s
